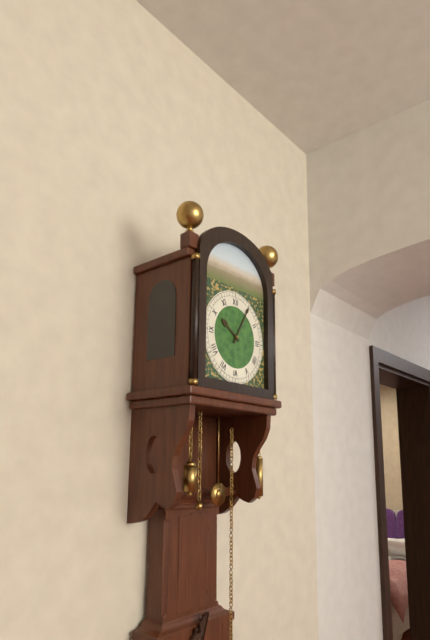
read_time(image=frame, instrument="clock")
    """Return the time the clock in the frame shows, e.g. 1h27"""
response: 10h05
